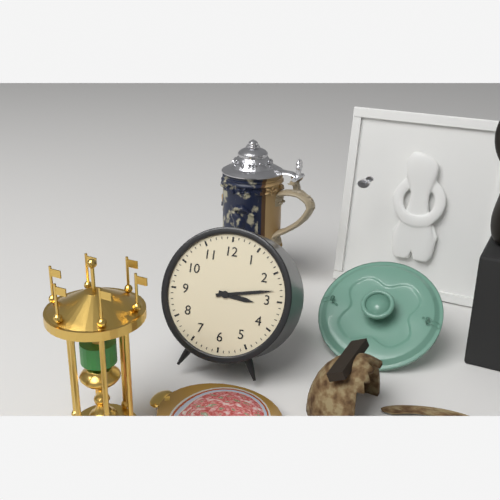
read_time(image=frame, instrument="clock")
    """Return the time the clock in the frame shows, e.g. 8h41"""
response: 3h13
